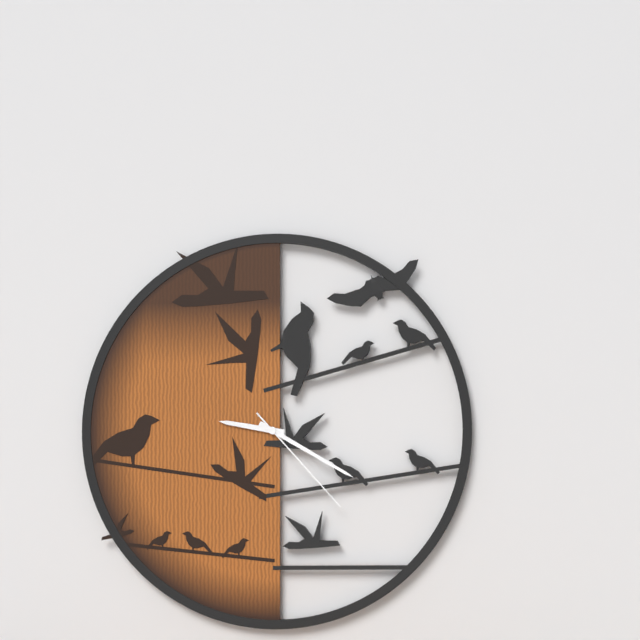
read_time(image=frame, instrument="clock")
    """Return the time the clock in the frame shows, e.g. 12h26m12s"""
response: 9h20m23s
